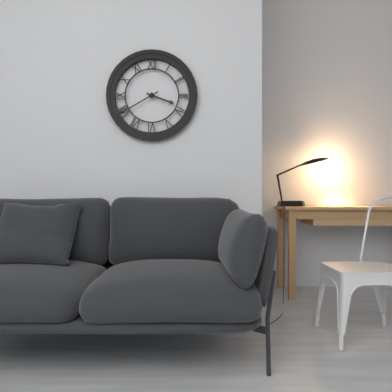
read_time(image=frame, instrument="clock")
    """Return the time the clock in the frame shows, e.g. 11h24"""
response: 3h40
